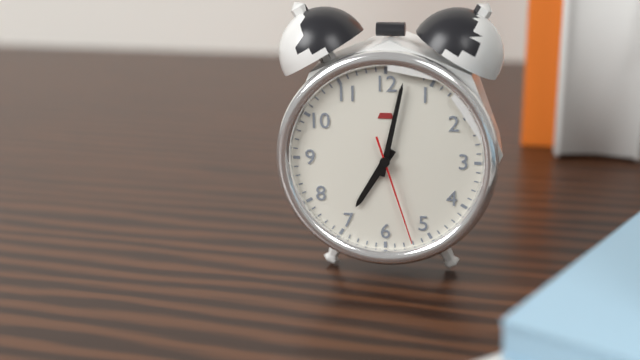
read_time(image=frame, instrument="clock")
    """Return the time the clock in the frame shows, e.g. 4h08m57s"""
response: 7h02m27s
